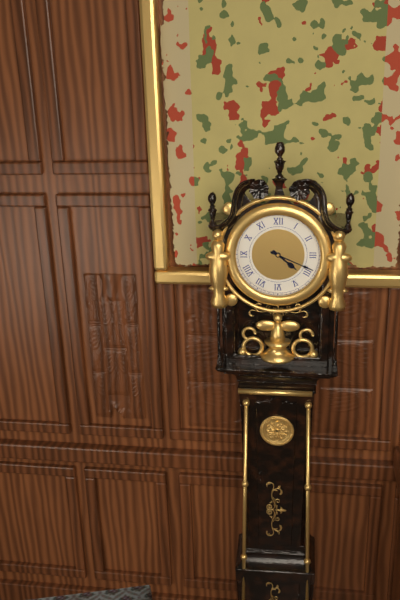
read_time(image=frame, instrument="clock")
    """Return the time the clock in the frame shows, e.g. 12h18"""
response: 4h19
